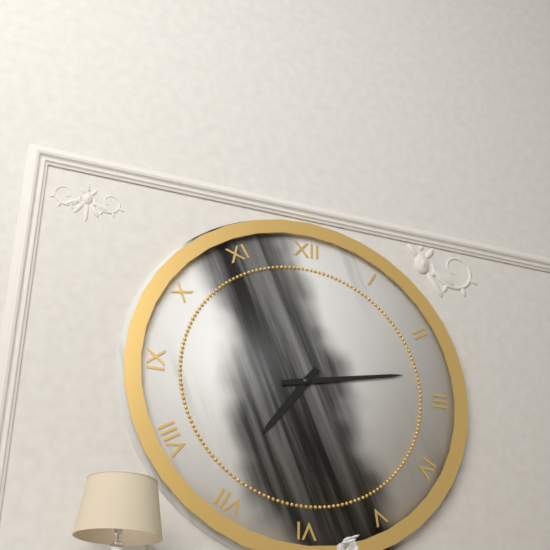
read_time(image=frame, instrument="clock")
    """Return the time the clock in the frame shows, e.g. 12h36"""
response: 7h13
